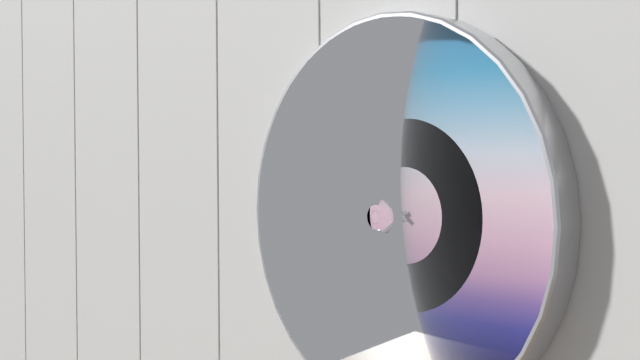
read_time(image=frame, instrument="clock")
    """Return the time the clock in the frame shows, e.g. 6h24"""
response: 7h51
